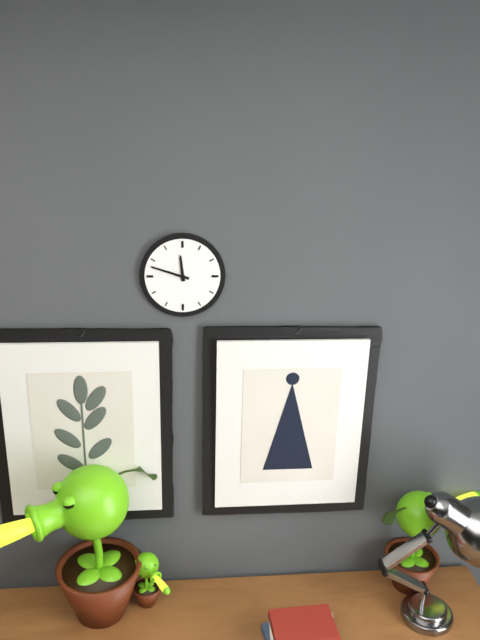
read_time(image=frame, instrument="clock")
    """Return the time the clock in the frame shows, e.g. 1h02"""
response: 11h48
